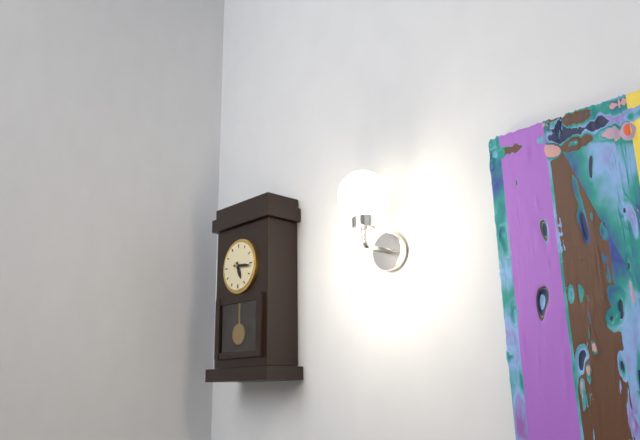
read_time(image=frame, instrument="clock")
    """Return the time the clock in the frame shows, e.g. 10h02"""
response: 5h16
